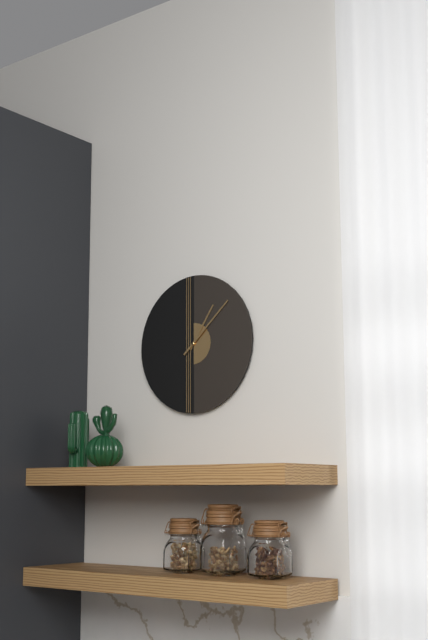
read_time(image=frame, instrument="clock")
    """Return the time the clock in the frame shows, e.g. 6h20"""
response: 1h08
